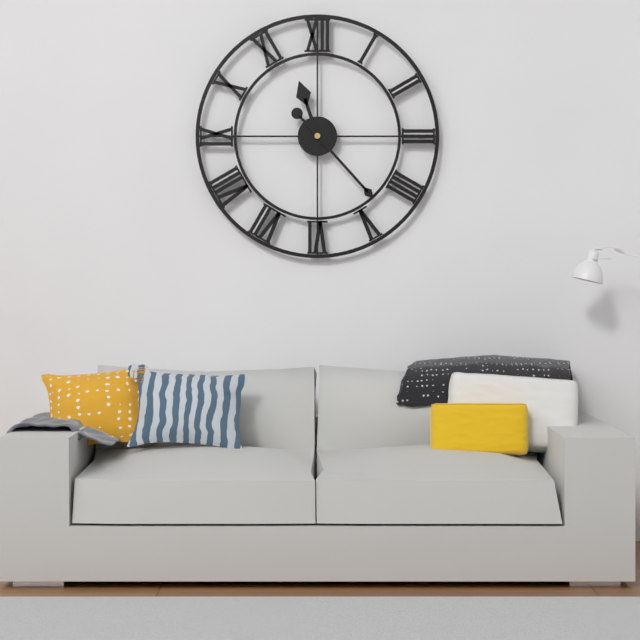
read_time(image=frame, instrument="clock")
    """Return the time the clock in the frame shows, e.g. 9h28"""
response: 11h23
